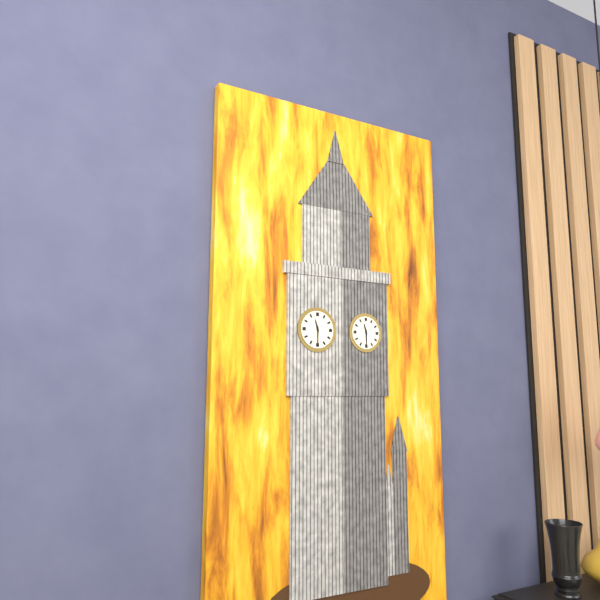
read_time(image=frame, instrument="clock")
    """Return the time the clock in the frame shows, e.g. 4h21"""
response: 11h30
